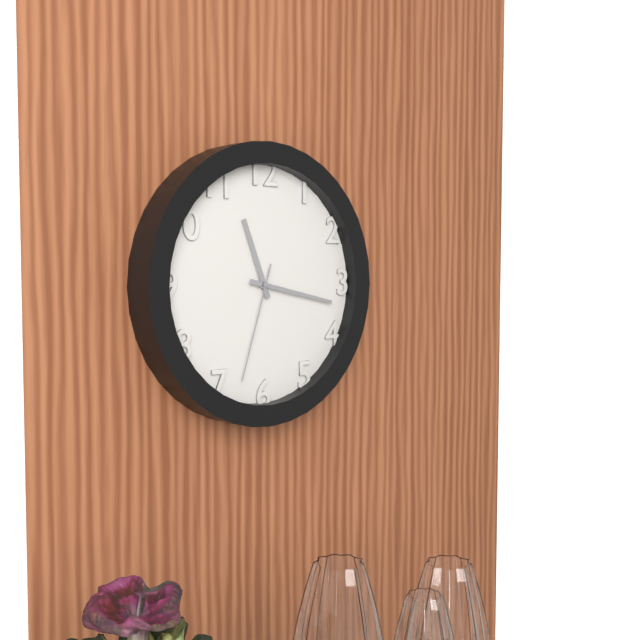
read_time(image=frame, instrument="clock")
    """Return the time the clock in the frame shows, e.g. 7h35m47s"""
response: 11h17m33s
